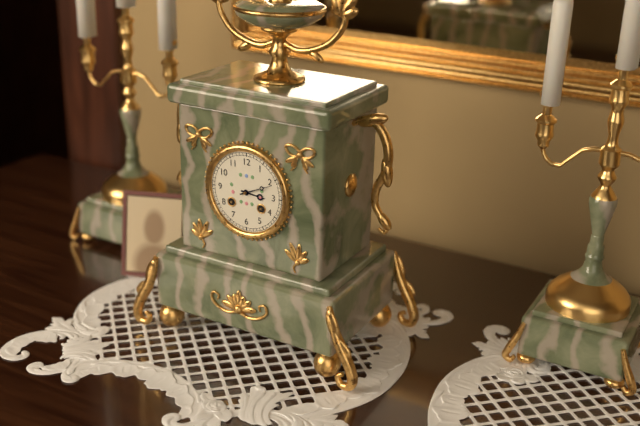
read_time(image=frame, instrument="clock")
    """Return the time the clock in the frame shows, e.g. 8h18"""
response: 3h11
